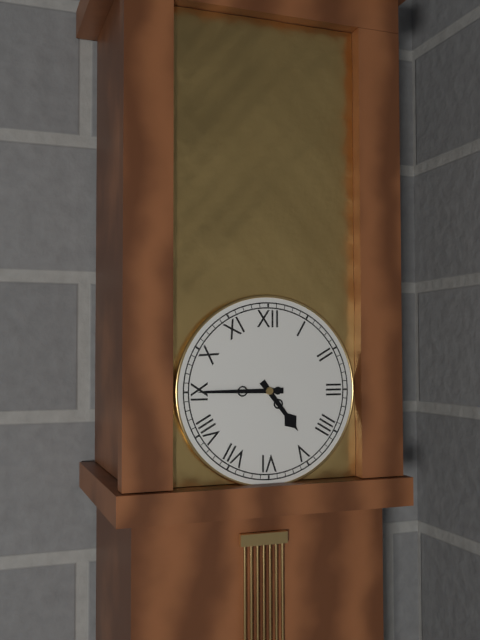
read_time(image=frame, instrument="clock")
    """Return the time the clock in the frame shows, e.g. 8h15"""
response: 4h45
